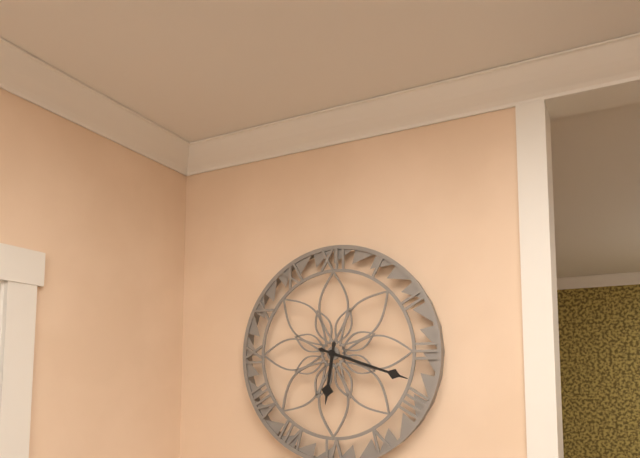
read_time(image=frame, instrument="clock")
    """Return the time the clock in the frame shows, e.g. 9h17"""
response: 6h18
